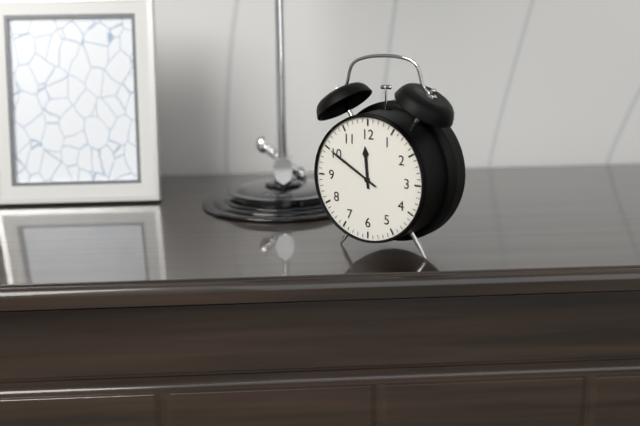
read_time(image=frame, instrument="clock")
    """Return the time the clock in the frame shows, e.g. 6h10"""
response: 11h50
